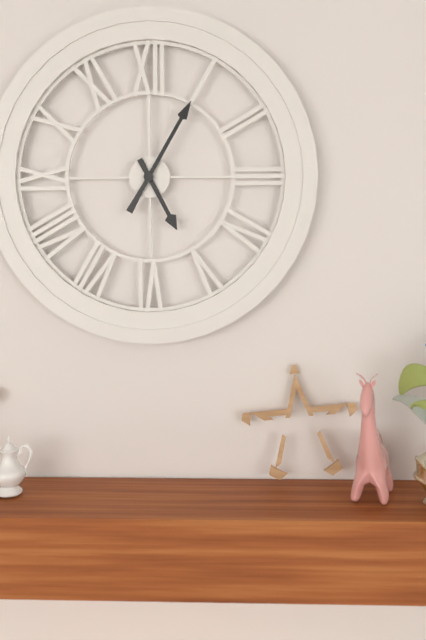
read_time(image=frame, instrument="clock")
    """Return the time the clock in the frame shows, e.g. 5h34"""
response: 5h05
